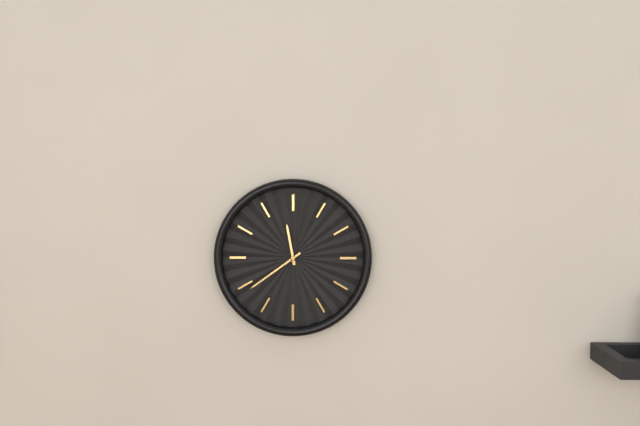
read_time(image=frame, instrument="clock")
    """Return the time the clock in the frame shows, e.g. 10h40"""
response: 11h39
